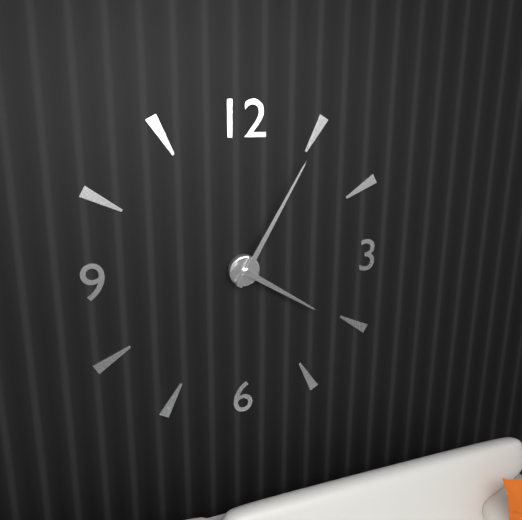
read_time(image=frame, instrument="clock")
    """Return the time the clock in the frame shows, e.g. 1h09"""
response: 4h05
